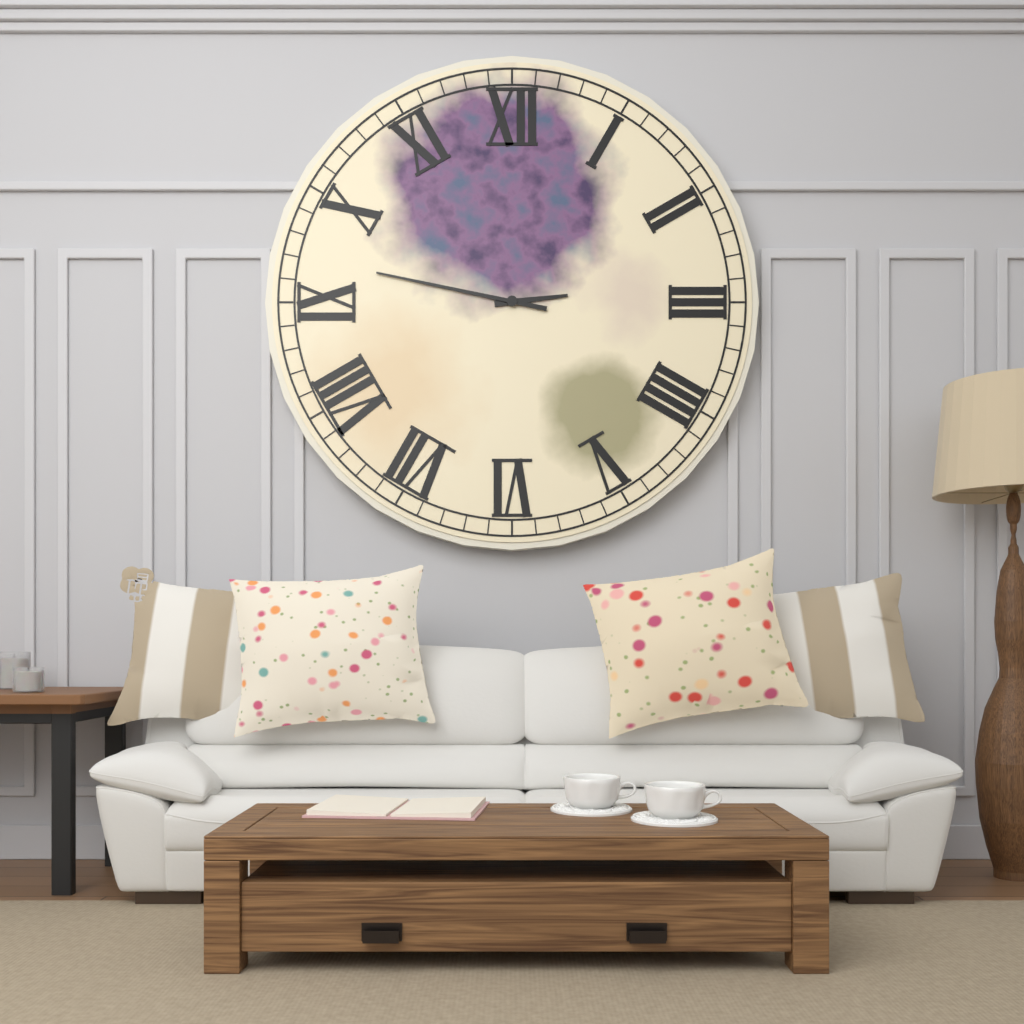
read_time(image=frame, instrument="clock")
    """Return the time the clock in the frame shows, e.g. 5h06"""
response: 2h47
